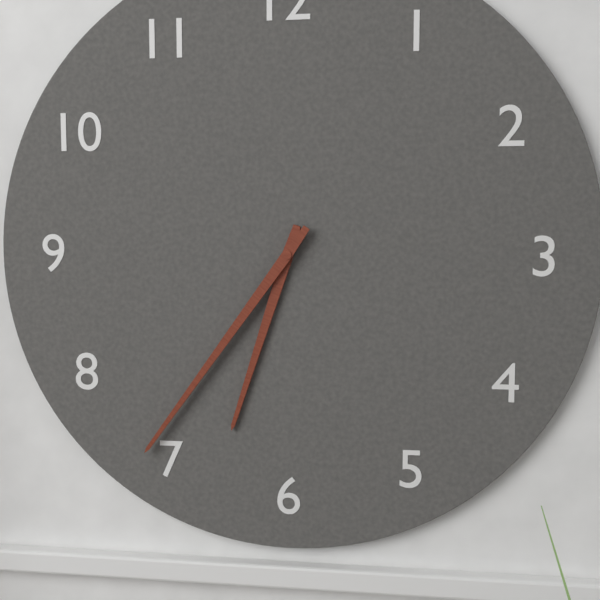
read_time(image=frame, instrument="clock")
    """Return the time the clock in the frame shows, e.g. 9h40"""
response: 6h36
